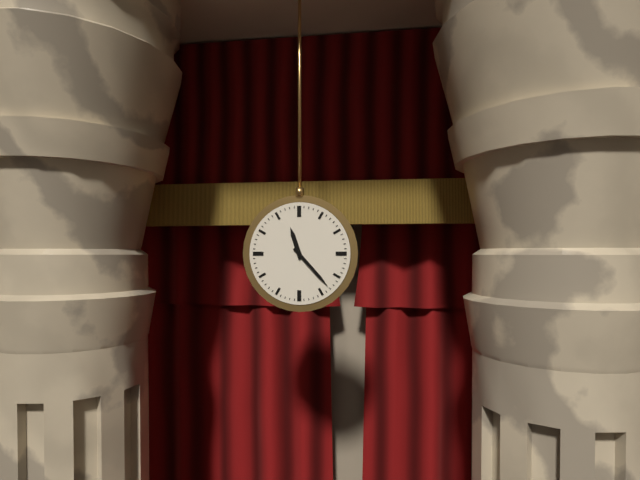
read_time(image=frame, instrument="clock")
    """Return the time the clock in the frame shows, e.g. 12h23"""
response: 11h23
